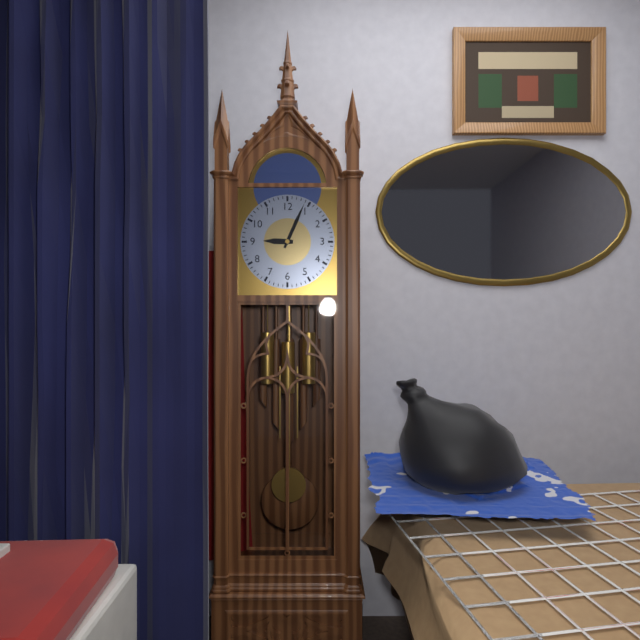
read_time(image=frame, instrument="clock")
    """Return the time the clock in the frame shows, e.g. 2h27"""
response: 9h04
